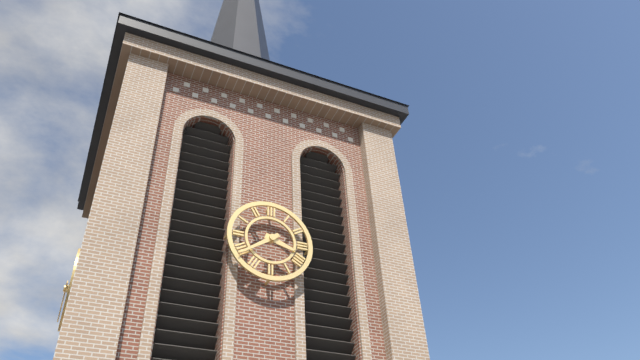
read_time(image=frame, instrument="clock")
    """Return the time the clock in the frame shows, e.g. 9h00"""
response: 3h39
